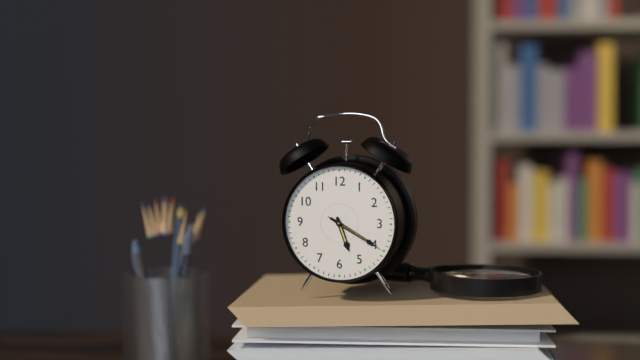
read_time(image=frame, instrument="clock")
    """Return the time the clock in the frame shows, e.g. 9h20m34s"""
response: 5h20m20s
